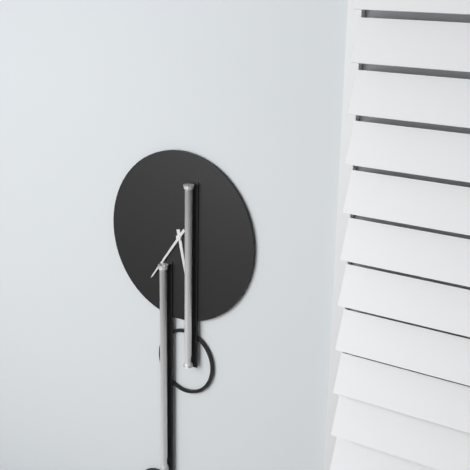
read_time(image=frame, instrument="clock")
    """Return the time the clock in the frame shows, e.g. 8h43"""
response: 5h36
